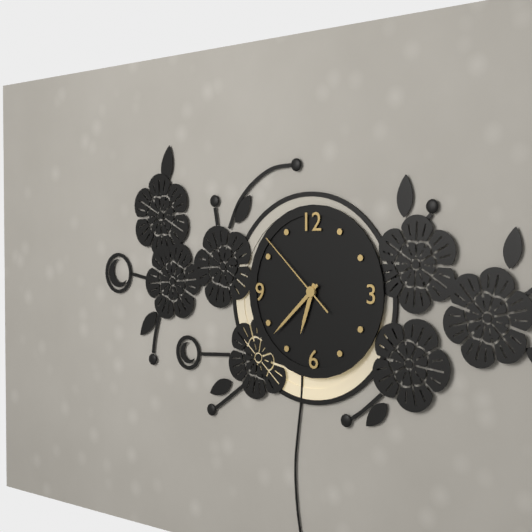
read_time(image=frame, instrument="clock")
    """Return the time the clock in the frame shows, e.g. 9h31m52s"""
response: 6h38m52s
